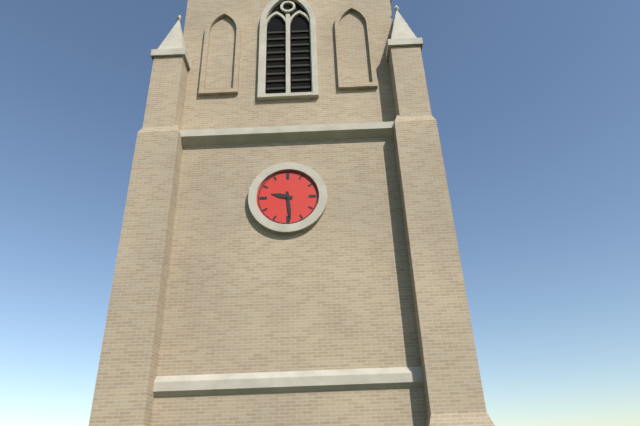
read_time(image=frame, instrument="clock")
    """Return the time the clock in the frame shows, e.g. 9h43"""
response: 9h29
